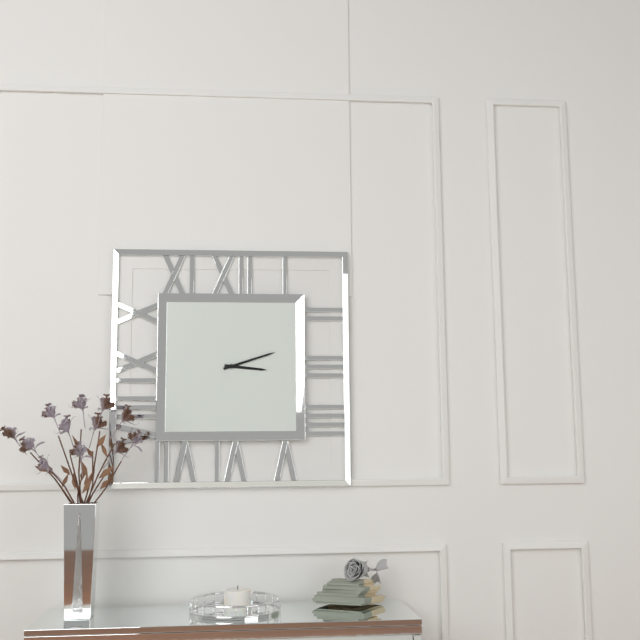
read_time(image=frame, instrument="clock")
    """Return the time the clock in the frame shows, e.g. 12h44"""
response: 3h12
